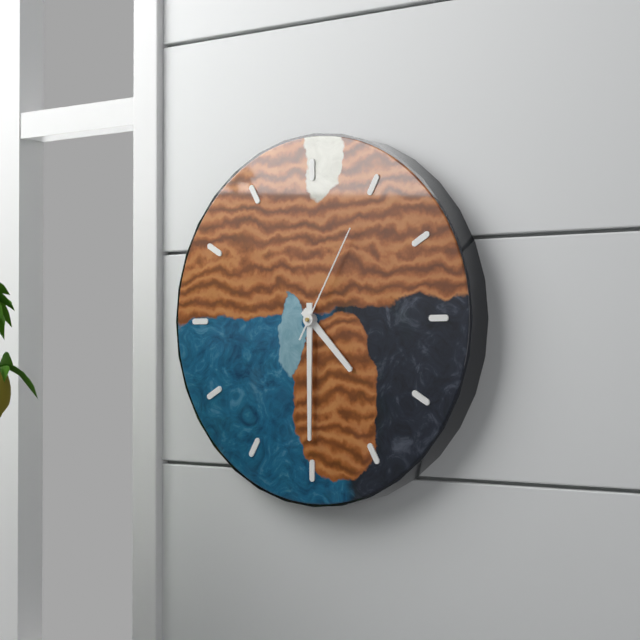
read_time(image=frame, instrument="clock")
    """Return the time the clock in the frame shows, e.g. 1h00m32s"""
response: 4h30m05s
